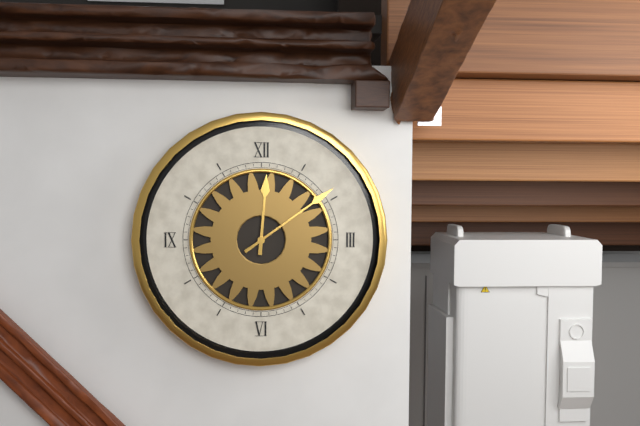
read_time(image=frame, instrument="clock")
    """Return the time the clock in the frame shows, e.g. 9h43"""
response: 12h09
